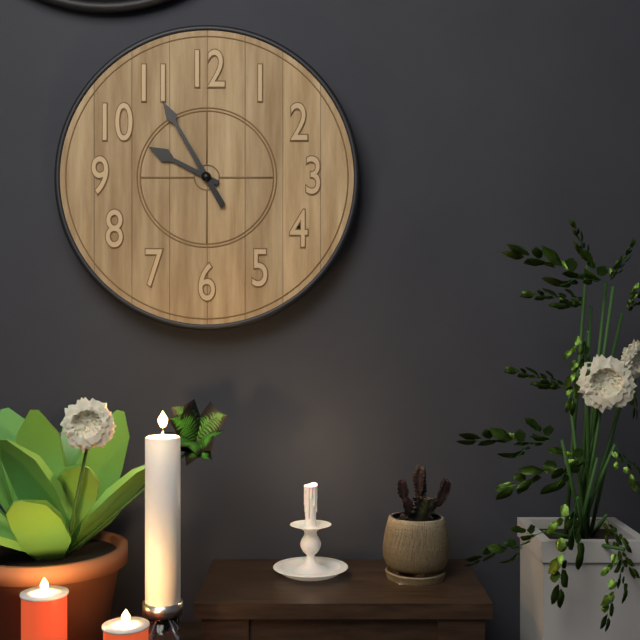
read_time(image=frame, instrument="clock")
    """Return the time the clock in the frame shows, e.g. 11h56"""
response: 9h55
